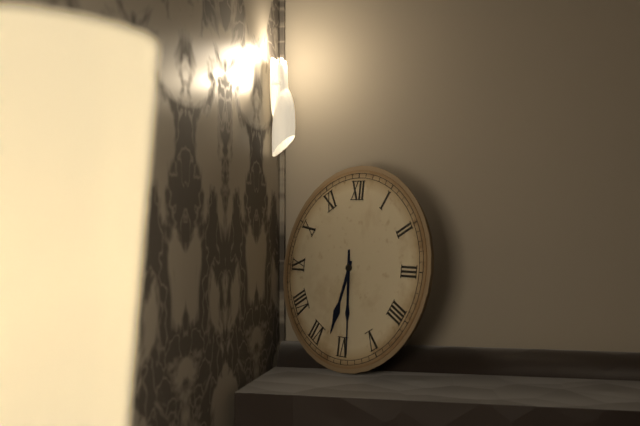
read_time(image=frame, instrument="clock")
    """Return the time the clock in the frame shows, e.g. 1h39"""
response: 6h29
